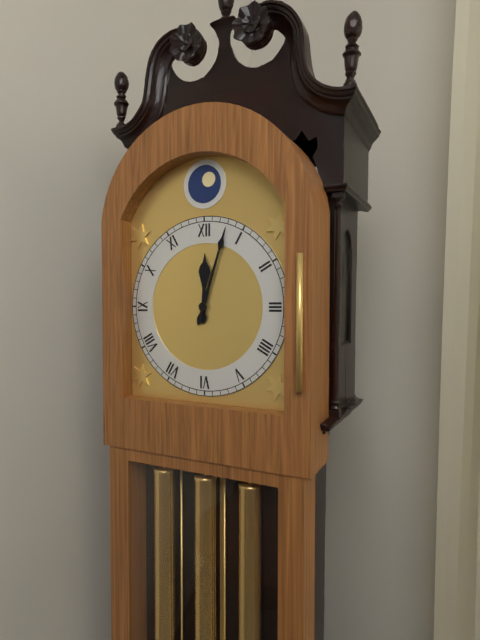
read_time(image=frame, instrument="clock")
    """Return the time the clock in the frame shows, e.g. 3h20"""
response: 12h03
